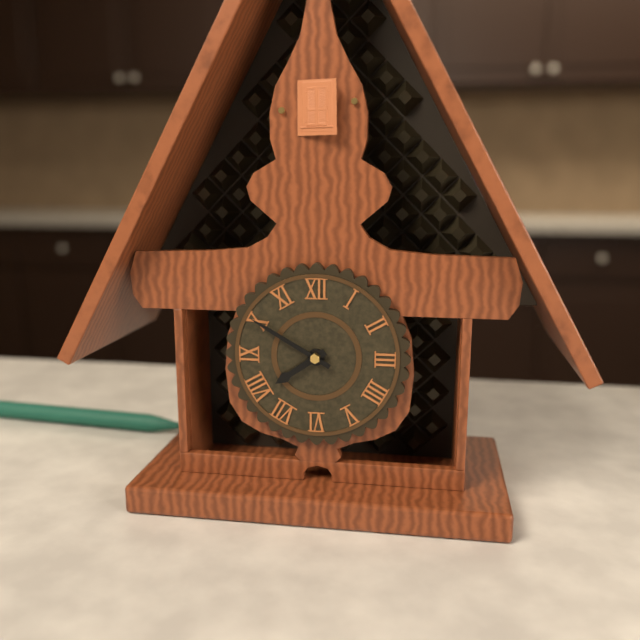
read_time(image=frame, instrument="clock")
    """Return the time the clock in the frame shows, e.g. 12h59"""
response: 7h50
